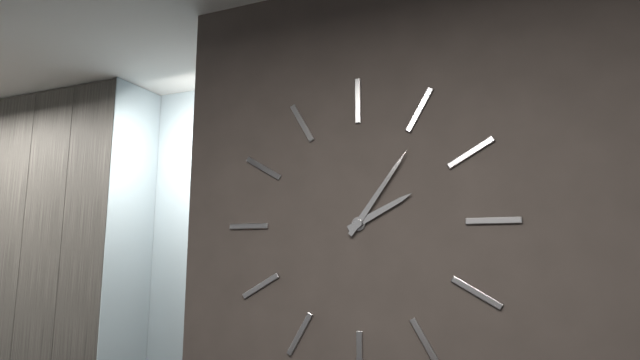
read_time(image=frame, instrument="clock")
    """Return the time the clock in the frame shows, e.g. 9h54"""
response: 2h06
